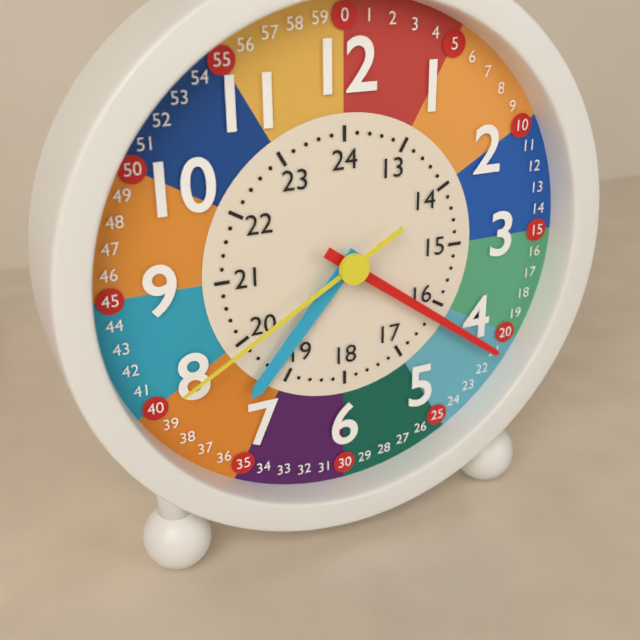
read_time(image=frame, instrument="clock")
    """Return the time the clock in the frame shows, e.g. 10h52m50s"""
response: 7h21m40s
